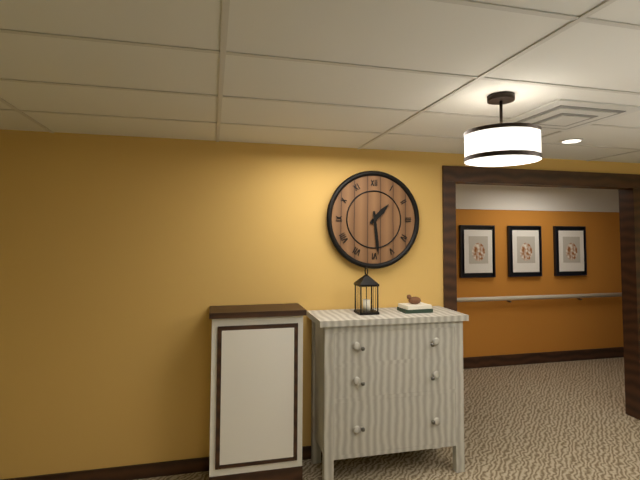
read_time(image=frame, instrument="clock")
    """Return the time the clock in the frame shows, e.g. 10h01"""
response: 1h29
